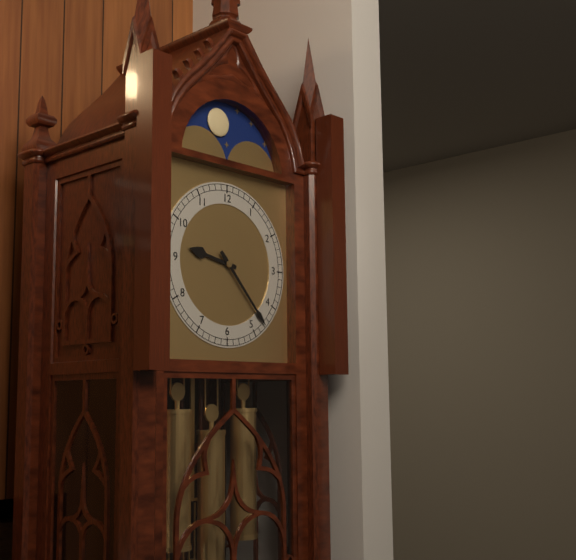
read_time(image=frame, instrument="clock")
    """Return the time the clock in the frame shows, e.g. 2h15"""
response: 9h23
